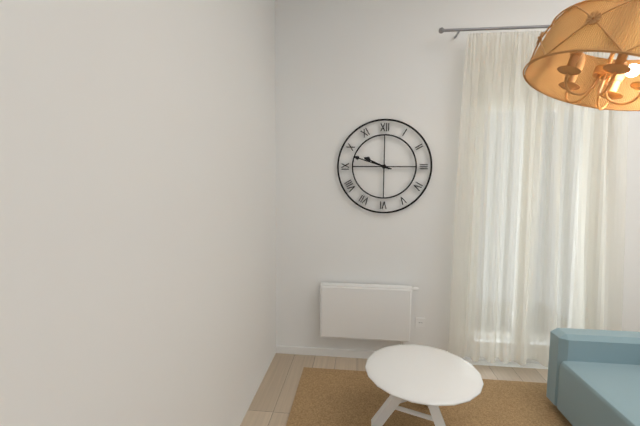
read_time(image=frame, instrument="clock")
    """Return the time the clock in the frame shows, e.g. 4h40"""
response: 9h48
